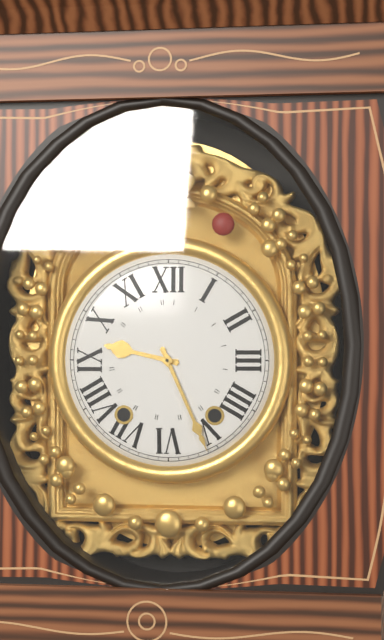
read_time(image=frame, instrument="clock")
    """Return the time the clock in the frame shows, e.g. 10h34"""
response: 9h26
